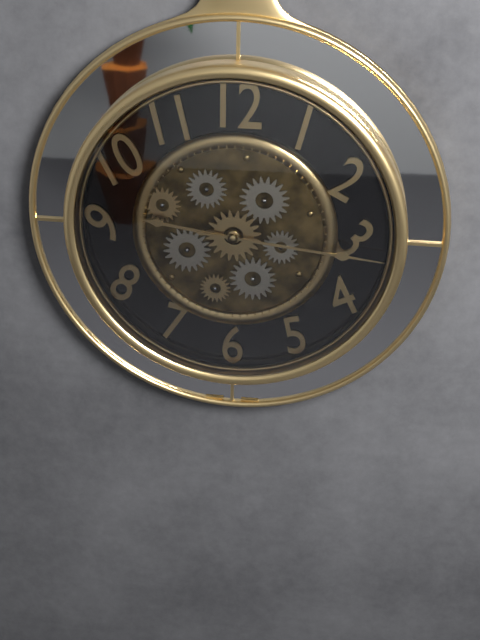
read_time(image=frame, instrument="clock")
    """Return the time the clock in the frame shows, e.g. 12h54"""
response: 9h16
